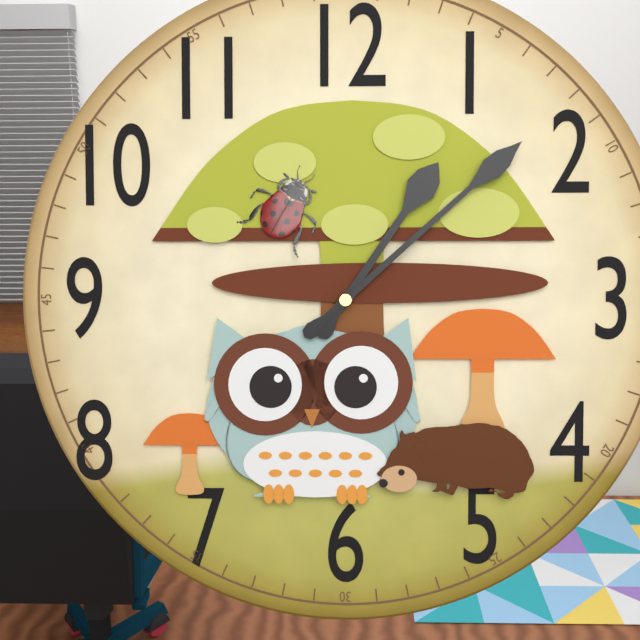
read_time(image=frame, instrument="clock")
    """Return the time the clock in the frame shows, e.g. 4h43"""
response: 1h08
